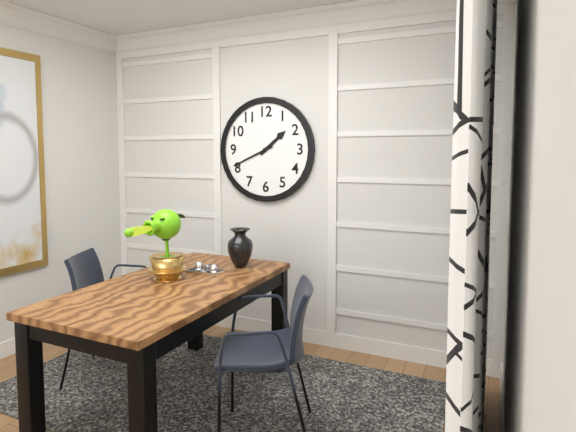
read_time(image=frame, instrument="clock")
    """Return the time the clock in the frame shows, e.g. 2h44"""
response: 1h41
